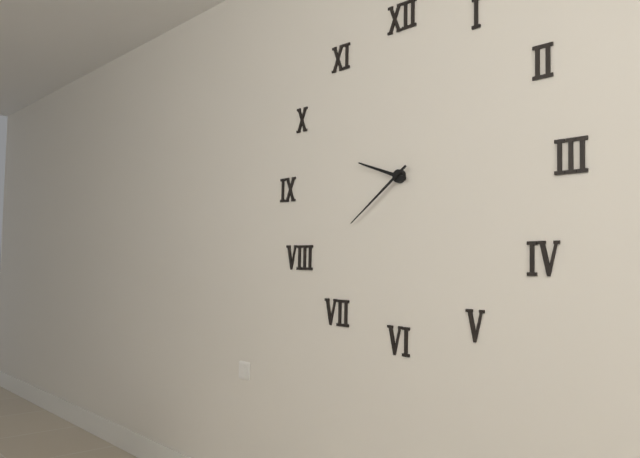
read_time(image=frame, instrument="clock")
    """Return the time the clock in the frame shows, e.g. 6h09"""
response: 9h39
